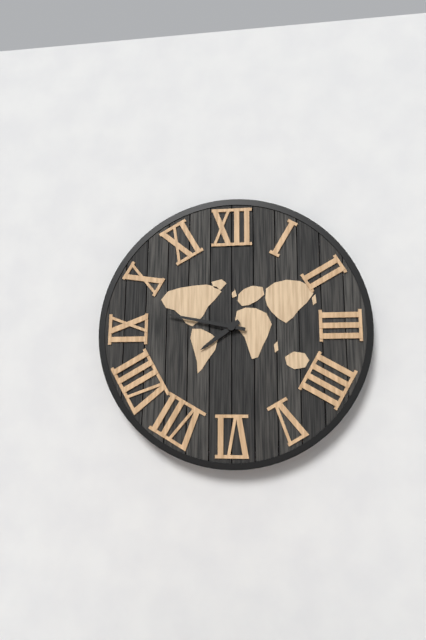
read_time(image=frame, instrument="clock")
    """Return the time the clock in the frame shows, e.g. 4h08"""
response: 7h47
